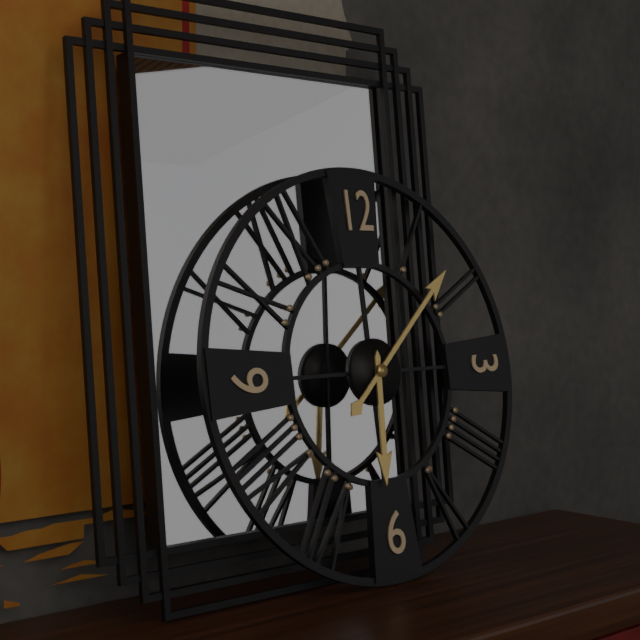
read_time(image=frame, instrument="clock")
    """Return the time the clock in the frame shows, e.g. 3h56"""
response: 6h08
